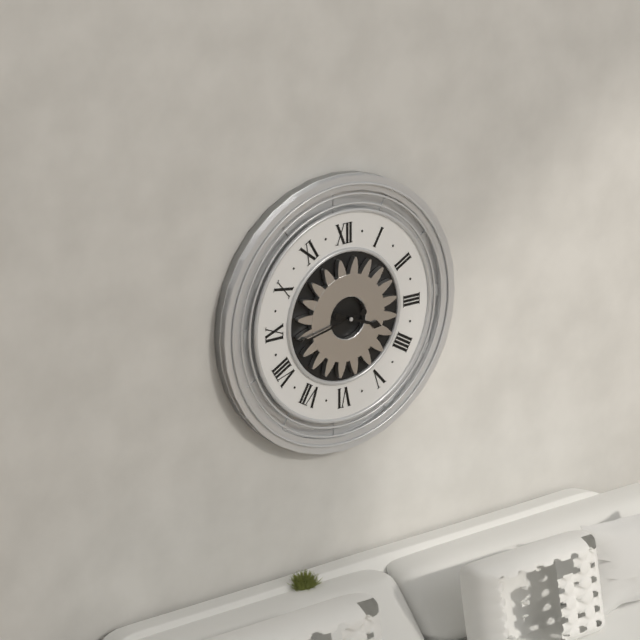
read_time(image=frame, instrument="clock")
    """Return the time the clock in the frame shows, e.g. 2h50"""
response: 3h43
